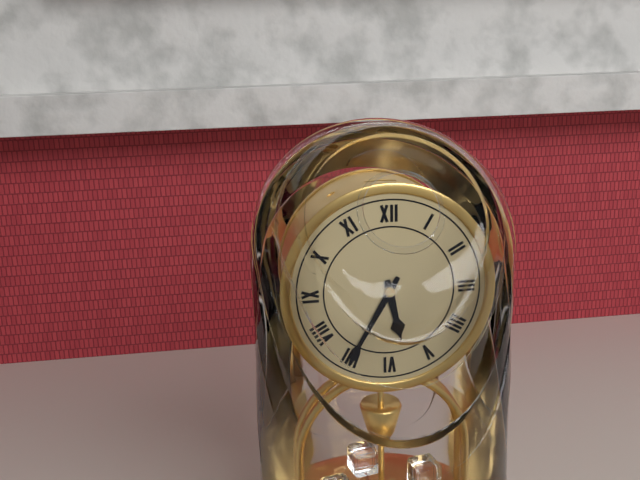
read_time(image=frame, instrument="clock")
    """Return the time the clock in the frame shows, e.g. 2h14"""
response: 5h35
